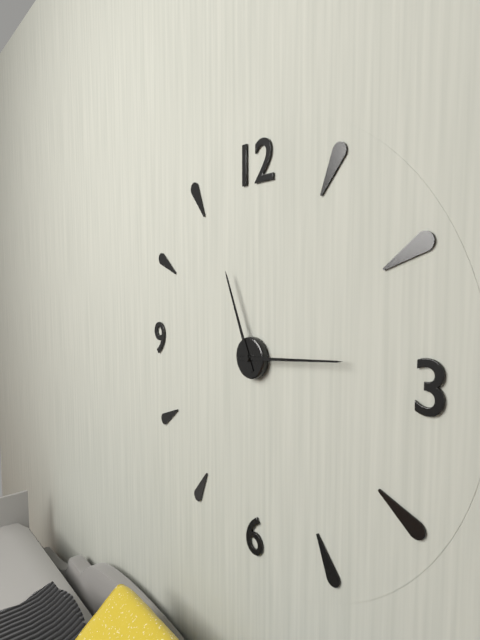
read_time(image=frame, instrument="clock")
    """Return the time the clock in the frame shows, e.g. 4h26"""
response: 11h14
